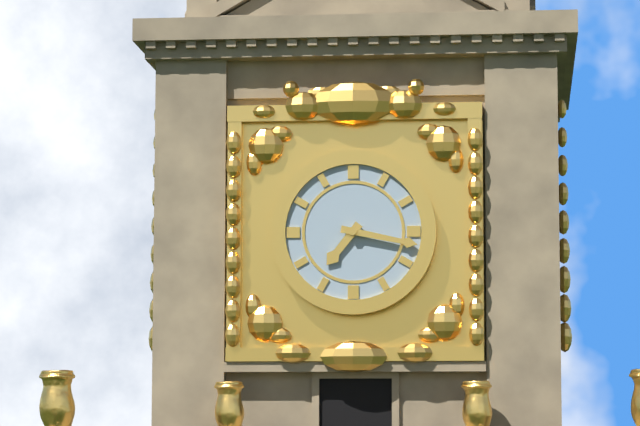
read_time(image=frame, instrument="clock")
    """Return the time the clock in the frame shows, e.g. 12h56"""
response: 7h17
